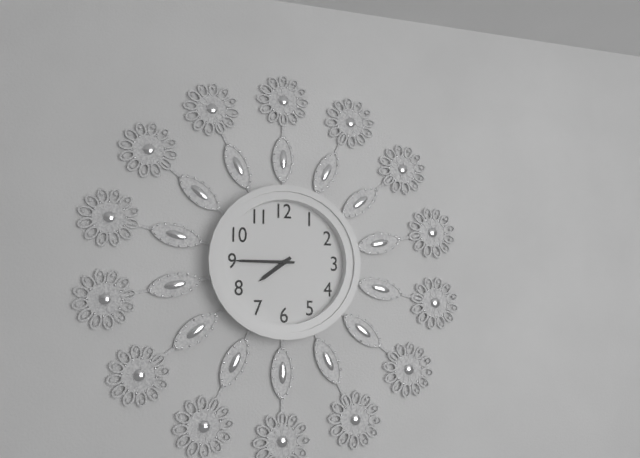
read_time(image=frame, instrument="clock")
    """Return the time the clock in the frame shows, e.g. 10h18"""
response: 7h45
